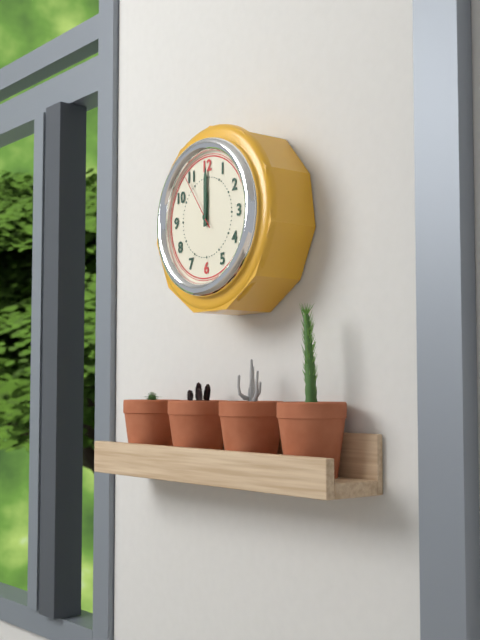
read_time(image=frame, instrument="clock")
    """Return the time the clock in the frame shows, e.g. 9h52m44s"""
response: 12h00m54s
